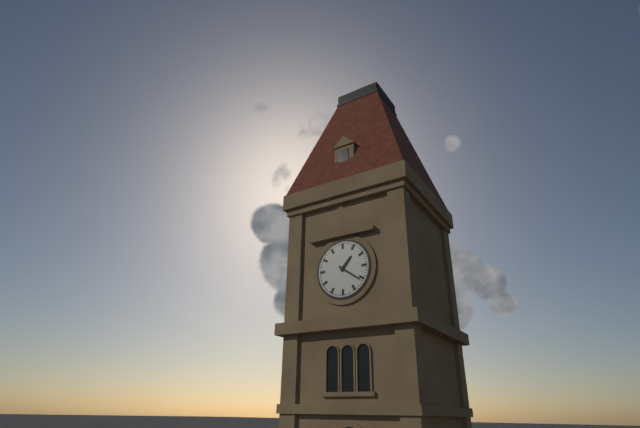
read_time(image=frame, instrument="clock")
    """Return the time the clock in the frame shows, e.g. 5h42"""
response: 1h21
